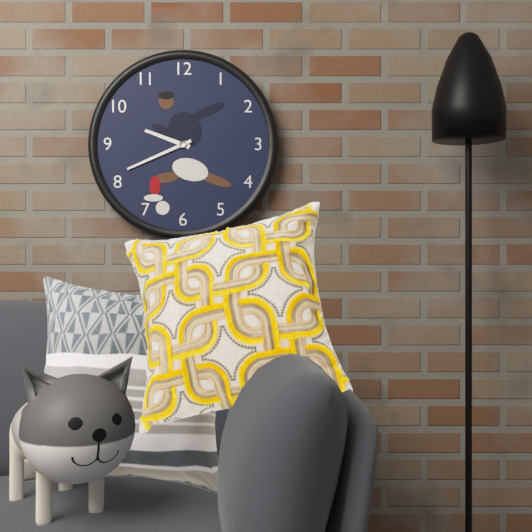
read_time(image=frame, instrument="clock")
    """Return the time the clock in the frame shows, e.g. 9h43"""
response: 9h41
